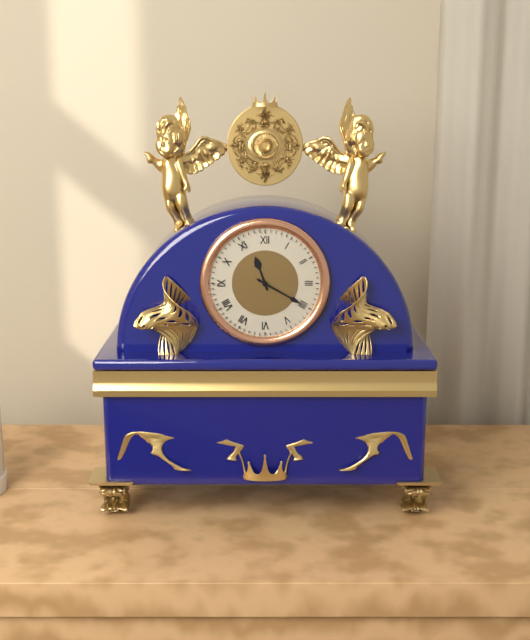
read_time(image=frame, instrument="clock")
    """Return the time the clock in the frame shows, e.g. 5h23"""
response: 11h20
